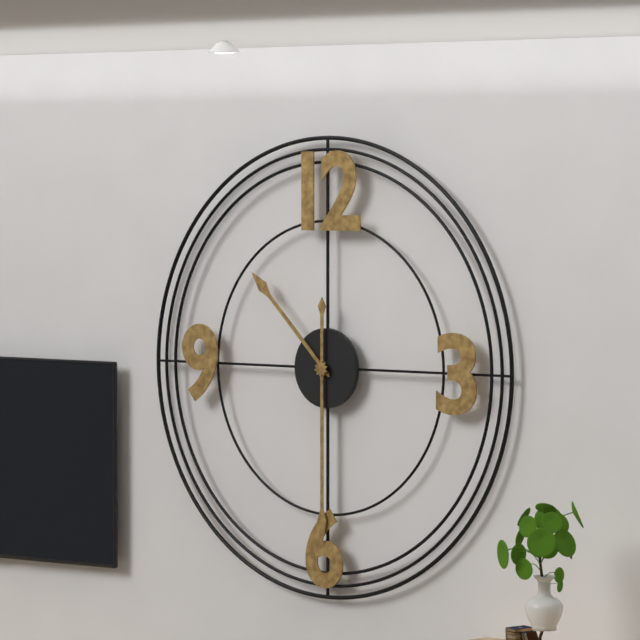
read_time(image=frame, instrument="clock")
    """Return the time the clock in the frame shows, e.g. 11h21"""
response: 10h30
